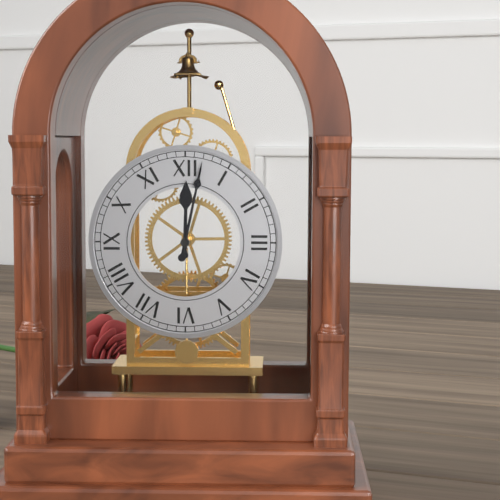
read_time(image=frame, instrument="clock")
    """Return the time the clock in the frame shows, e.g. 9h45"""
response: 12h02
